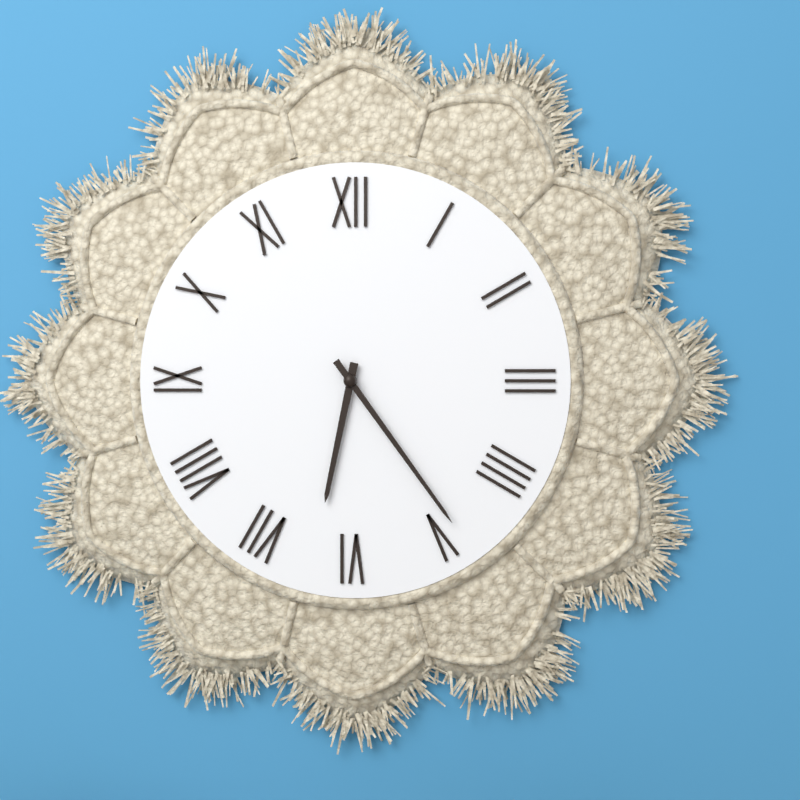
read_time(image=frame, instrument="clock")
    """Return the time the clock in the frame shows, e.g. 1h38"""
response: 6h24
